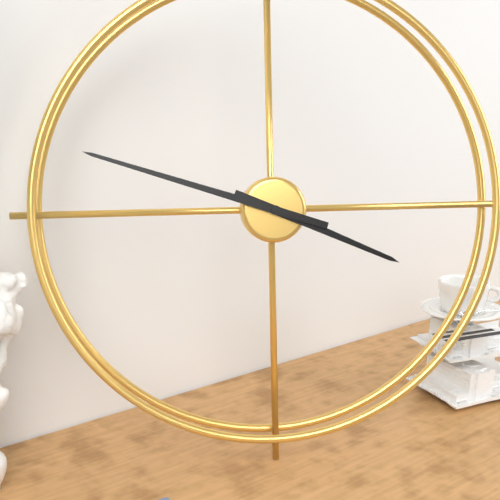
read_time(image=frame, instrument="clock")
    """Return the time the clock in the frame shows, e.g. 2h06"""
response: 3h48
